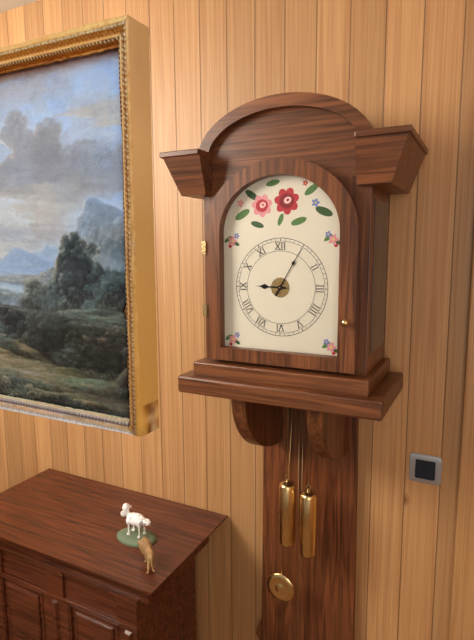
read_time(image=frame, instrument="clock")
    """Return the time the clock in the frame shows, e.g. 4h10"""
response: 9h05
